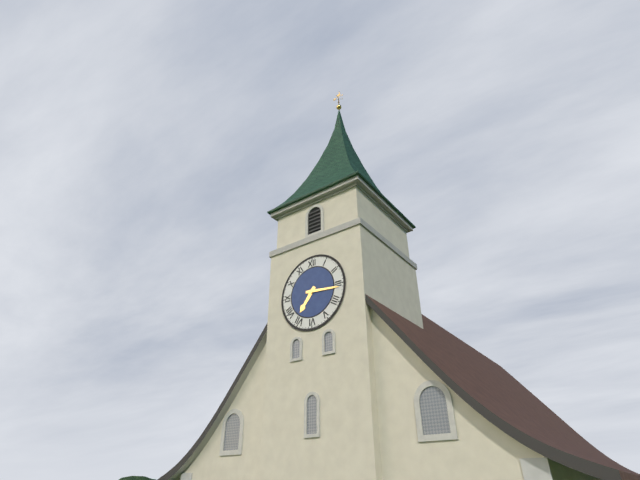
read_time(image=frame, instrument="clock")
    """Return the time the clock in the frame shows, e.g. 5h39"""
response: 7h16
